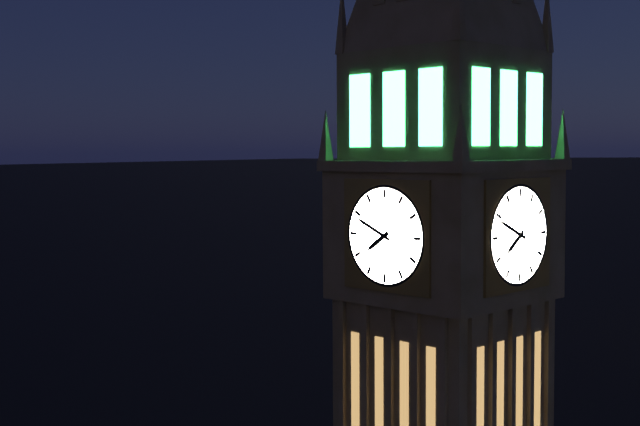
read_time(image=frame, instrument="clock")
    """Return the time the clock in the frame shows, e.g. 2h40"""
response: 7h49
